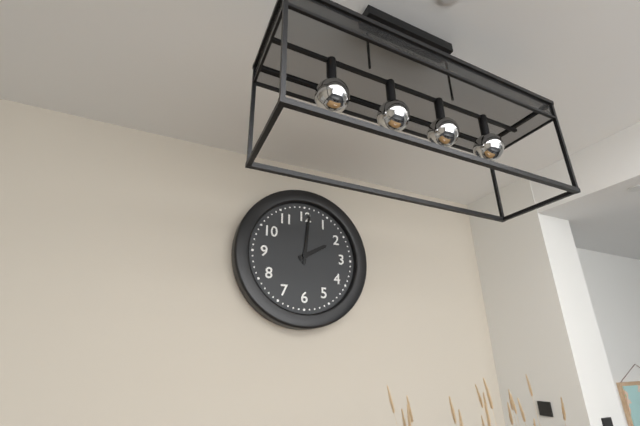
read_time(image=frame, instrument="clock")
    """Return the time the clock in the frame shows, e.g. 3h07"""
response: 2h01
